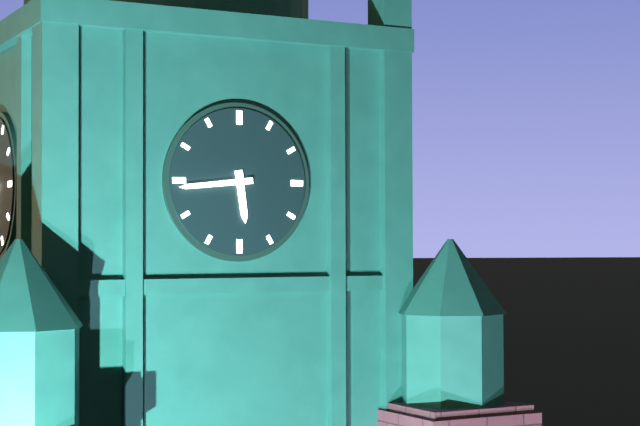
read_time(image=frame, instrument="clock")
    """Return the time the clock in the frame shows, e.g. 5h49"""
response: 5h44
